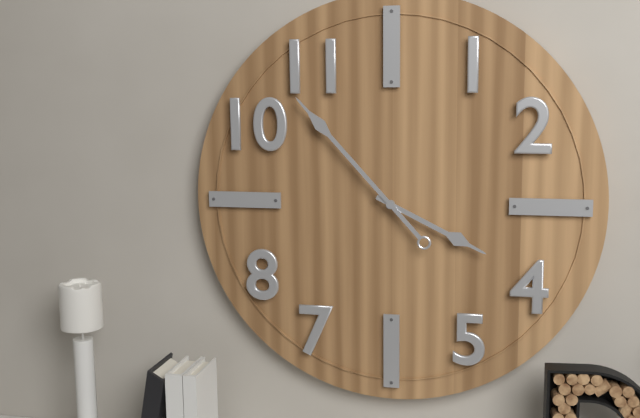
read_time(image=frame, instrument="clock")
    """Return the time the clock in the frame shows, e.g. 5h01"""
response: 3h53
